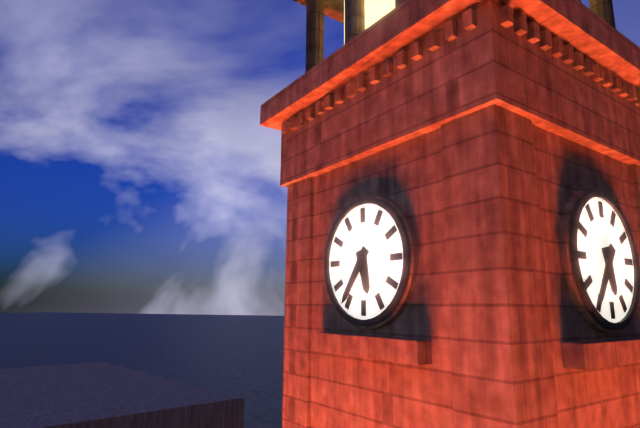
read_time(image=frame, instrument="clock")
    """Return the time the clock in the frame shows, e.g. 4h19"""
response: 5h36
